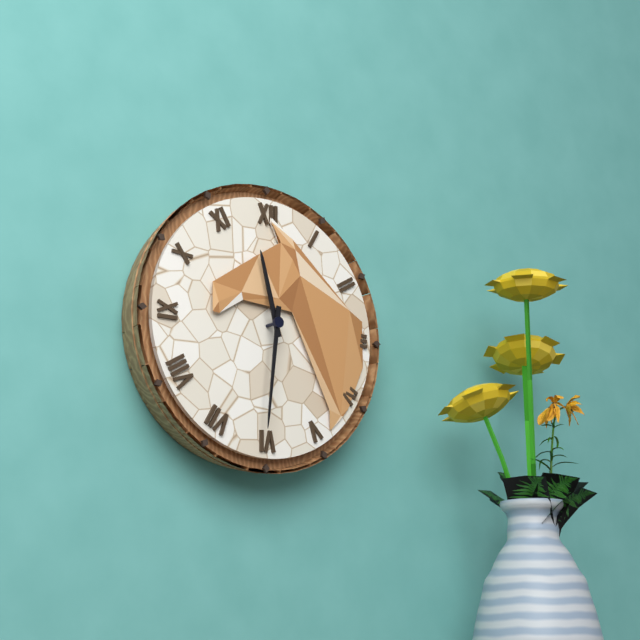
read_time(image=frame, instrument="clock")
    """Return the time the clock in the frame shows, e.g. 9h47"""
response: 11h31
